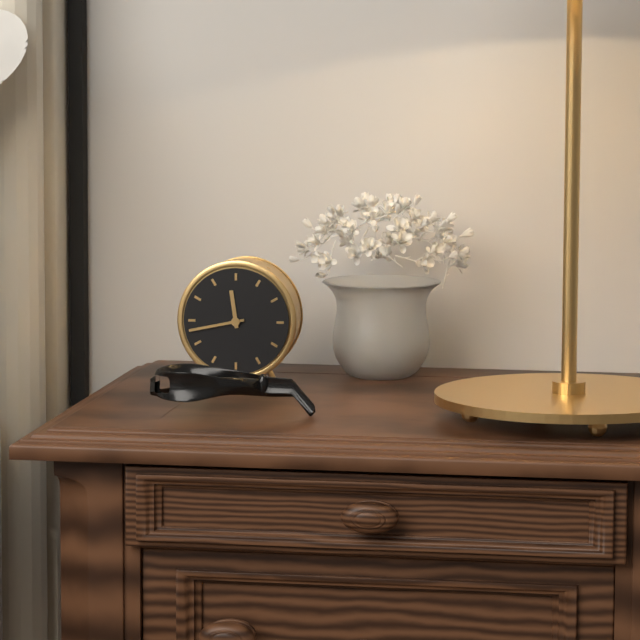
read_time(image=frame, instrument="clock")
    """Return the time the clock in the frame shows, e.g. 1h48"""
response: 11h43
